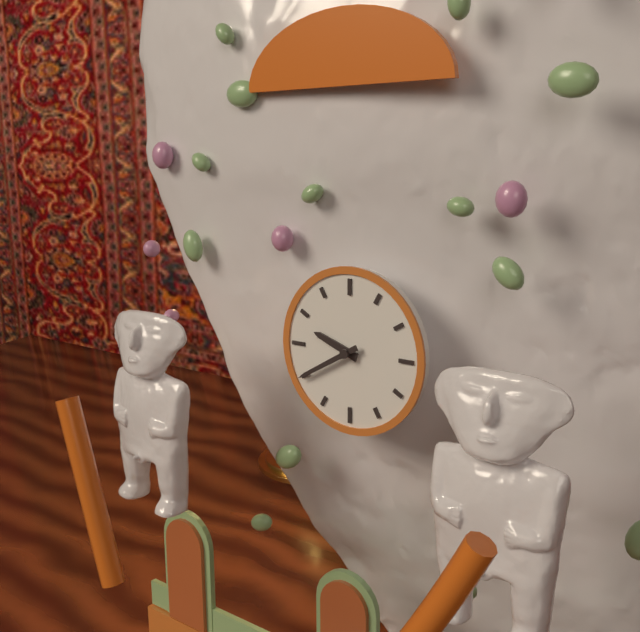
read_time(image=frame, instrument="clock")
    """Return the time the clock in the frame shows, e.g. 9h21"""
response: 9h40
